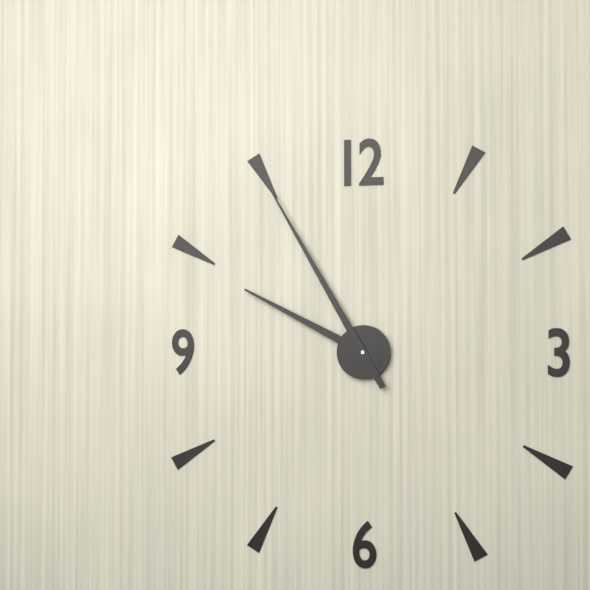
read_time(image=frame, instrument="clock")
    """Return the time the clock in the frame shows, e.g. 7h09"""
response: 9h55
